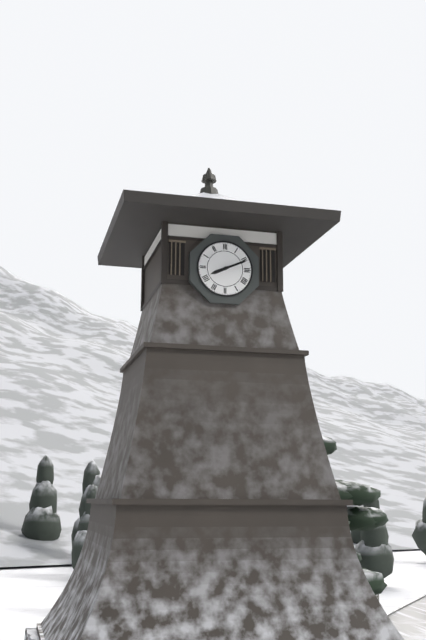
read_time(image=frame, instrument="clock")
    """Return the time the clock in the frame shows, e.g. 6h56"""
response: 8h11
